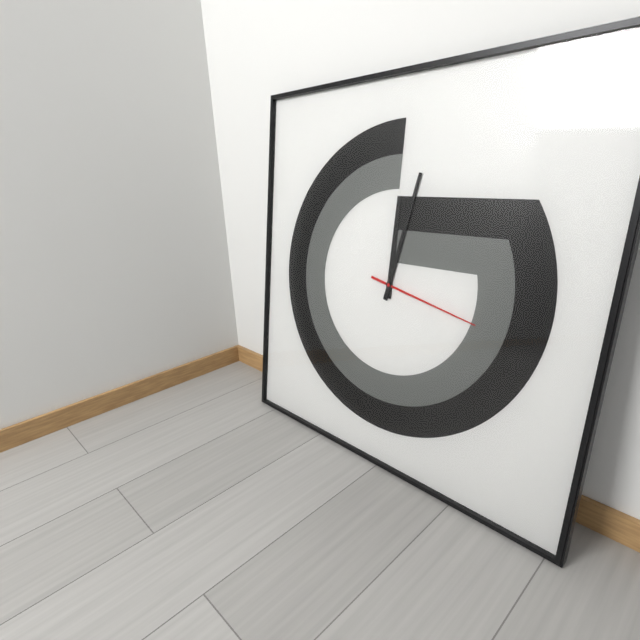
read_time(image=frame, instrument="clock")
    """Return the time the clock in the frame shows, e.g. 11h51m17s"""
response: 12h02m17s
